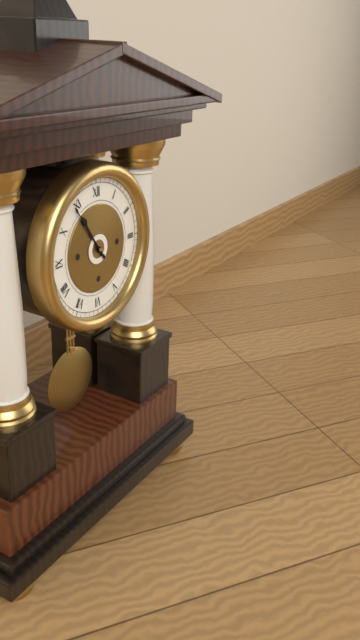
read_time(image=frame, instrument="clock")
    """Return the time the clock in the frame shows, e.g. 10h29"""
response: 10h54
